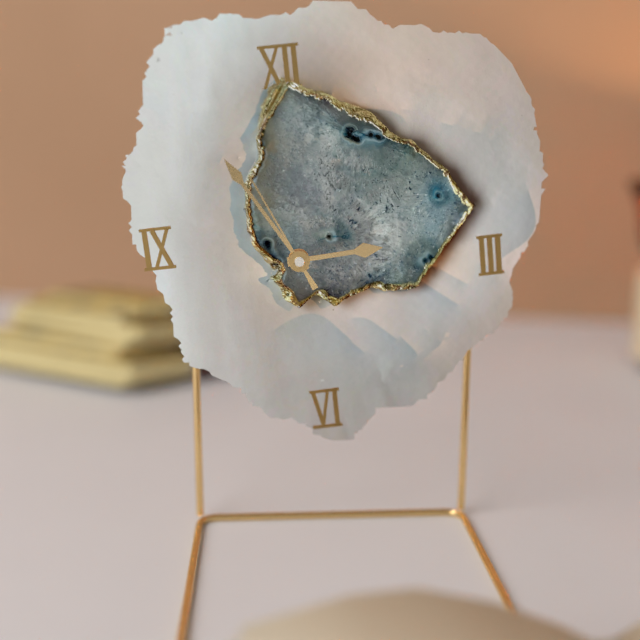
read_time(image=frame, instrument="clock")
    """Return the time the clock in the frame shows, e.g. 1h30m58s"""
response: 2h55m56s
